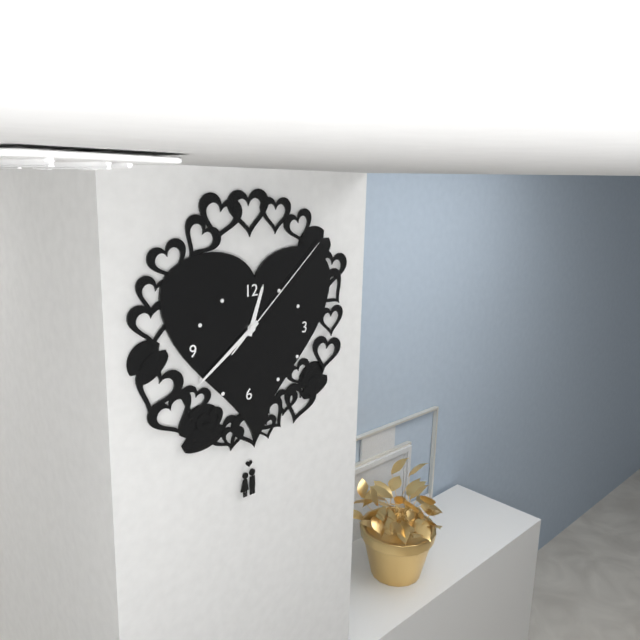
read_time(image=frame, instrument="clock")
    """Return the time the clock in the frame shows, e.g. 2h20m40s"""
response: 12h39m08s
